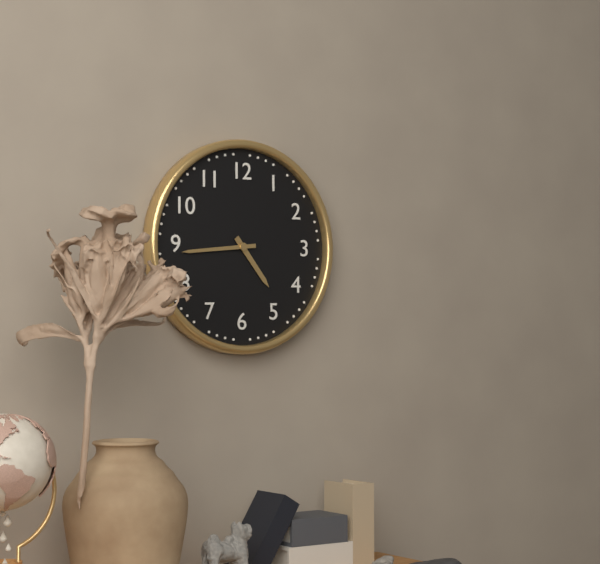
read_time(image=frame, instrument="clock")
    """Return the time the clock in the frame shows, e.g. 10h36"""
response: 4h44
